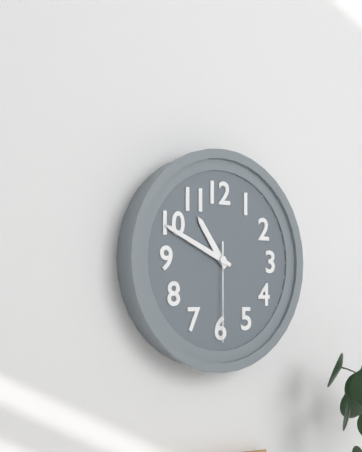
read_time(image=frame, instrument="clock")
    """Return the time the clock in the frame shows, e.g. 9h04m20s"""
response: 10h49m30s
